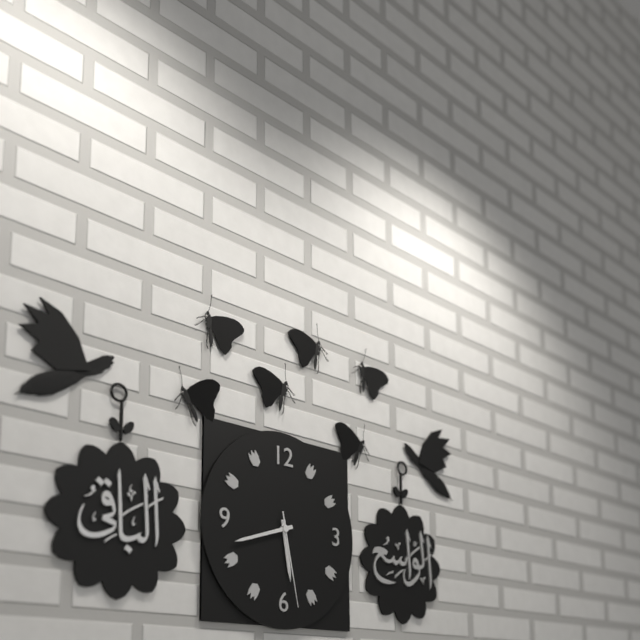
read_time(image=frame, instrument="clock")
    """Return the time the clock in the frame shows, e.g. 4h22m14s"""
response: 5h42m28s
